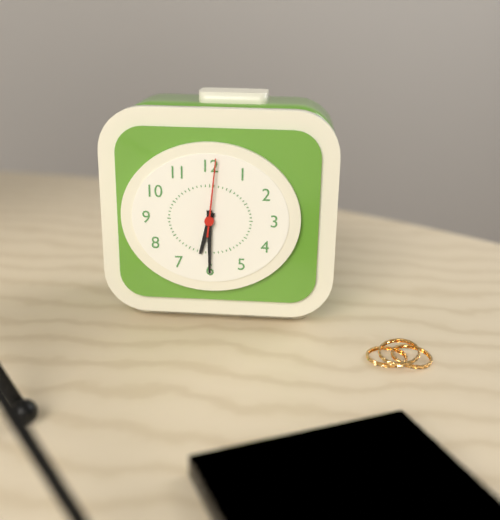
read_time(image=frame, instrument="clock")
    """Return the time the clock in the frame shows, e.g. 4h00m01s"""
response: 6h30m01s
